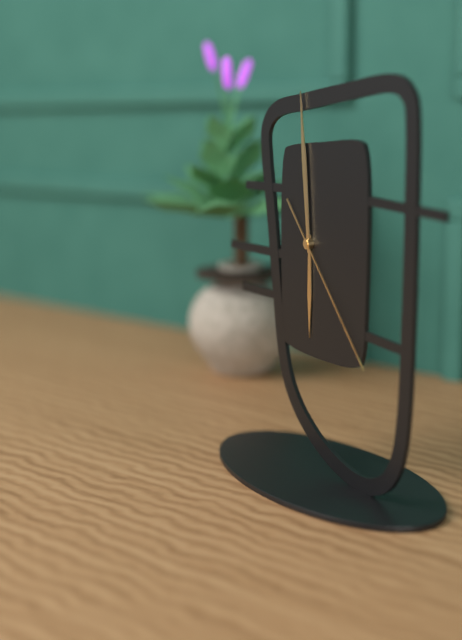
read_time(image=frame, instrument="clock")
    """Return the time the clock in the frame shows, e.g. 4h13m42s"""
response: 5h59m23s
